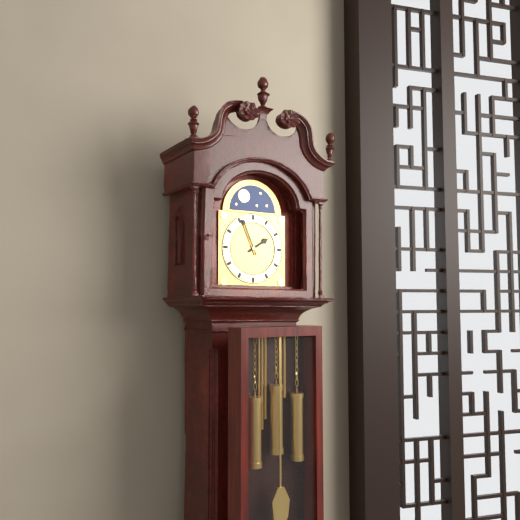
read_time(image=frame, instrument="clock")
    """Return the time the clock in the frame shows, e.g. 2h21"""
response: 1h56
